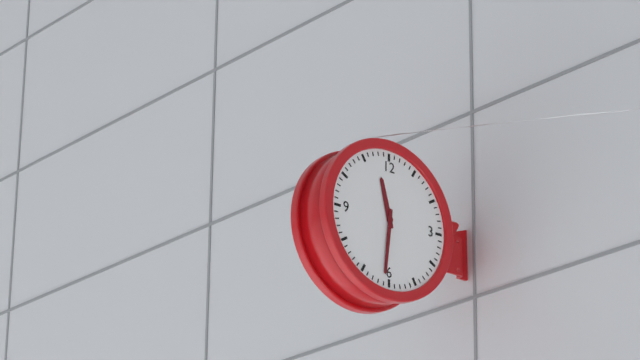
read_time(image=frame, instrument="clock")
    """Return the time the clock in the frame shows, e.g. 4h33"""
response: 11h31
